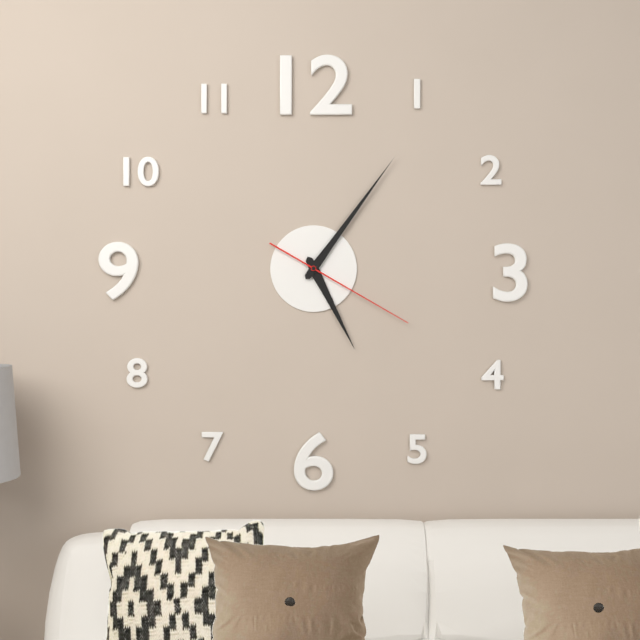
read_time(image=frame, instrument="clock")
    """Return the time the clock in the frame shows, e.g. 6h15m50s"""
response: 5h06m20s
